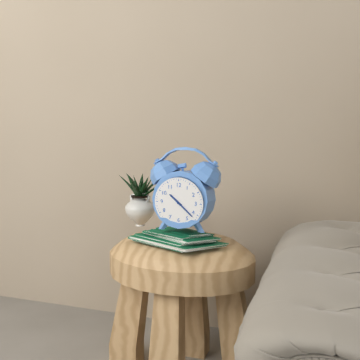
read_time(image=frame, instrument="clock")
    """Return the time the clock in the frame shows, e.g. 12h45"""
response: 10h22
